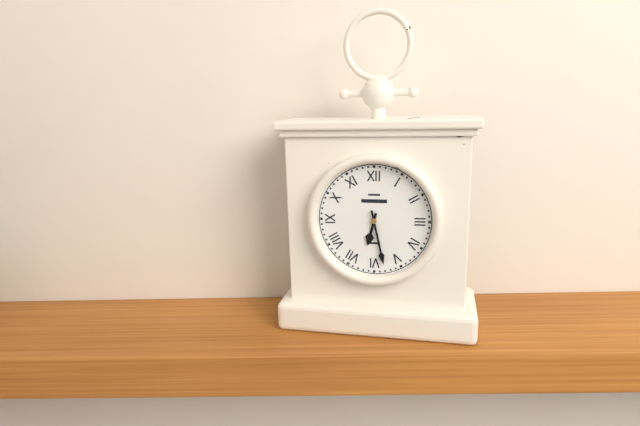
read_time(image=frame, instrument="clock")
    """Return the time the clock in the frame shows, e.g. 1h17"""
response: 6h28
